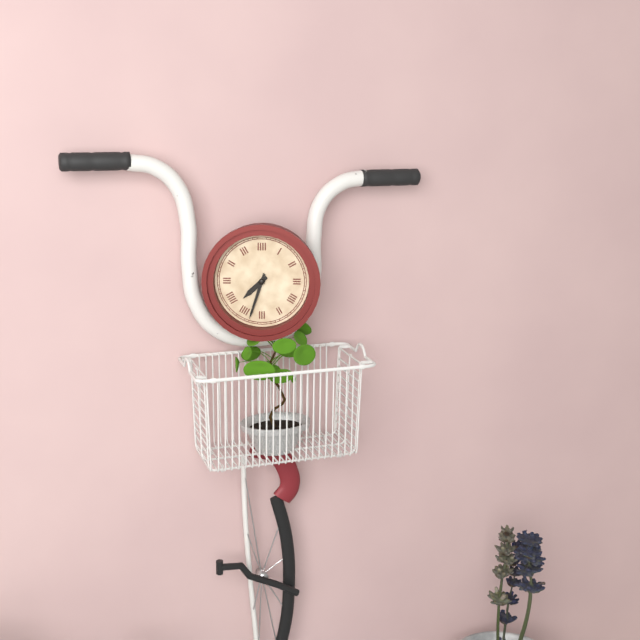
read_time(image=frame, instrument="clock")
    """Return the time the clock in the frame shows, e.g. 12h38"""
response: 7h33
